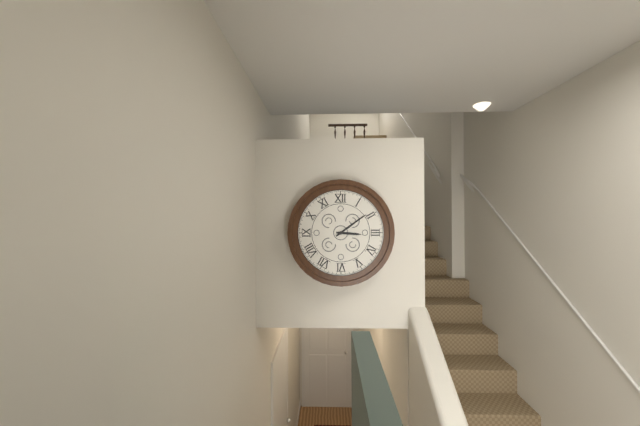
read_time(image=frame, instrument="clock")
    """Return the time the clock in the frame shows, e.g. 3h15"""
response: 3h09
